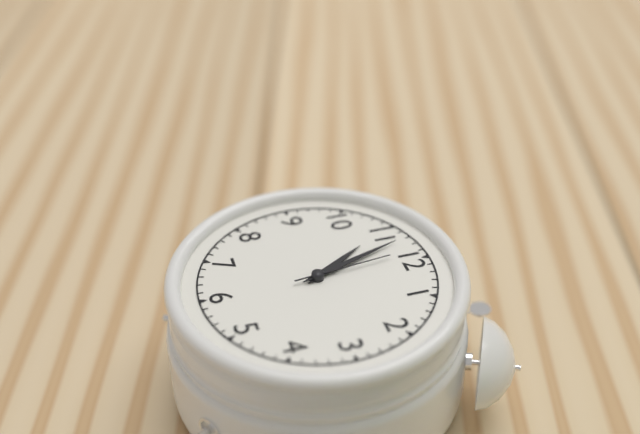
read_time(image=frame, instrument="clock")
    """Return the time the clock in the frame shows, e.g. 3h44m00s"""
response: 10h57m59s
